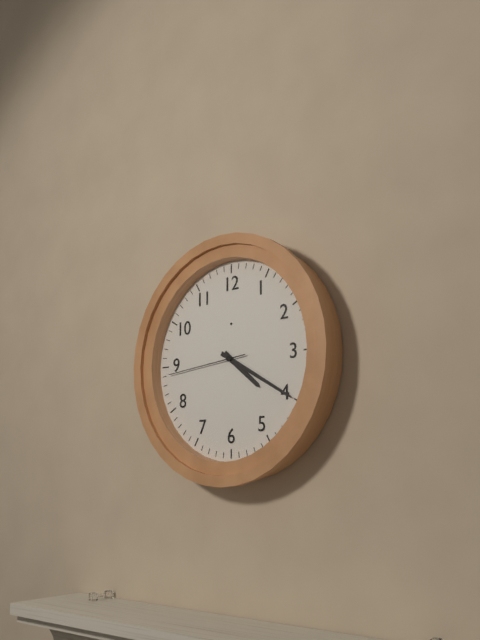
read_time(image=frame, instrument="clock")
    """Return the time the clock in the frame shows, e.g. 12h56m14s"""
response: 4h20m44s
